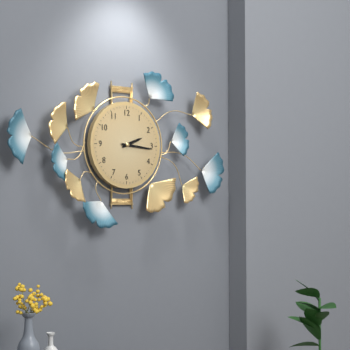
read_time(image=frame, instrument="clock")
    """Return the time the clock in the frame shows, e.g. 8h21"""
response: 2h16
